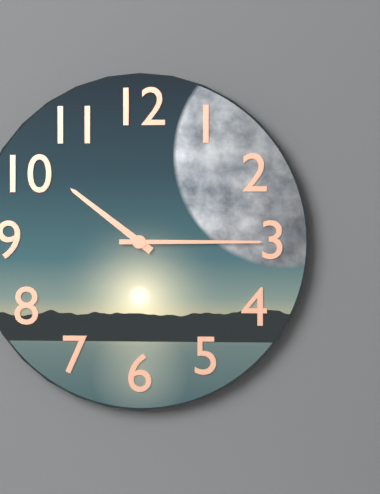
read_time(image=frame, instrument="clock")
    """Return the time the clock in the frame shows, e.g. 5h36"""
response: 10h15
